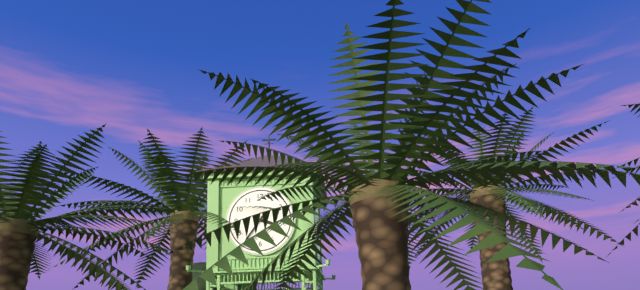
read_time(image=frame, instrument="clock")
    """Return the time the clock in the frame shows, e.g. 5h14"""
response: 3h36
